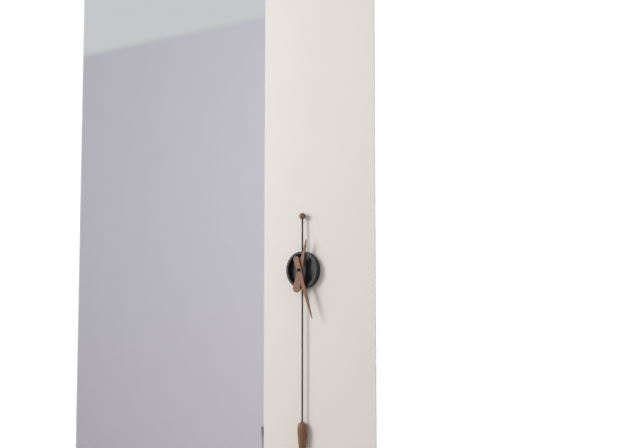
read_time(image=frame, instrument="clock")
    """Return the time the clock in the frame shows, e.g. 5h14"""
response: 12h27
